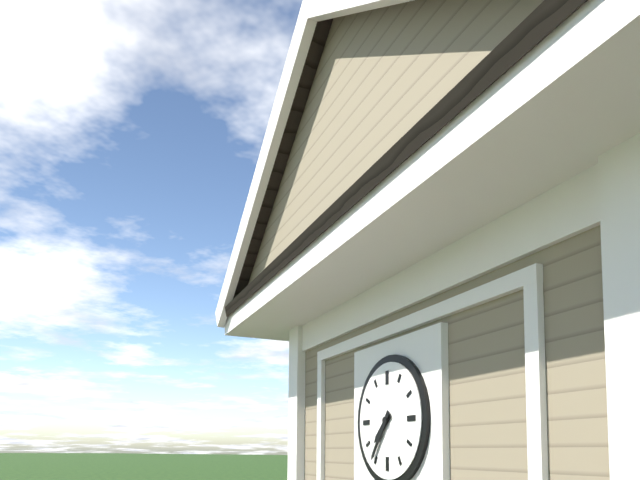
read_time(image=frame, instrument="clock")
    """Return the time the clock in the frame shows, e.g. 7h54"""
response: 7h36
